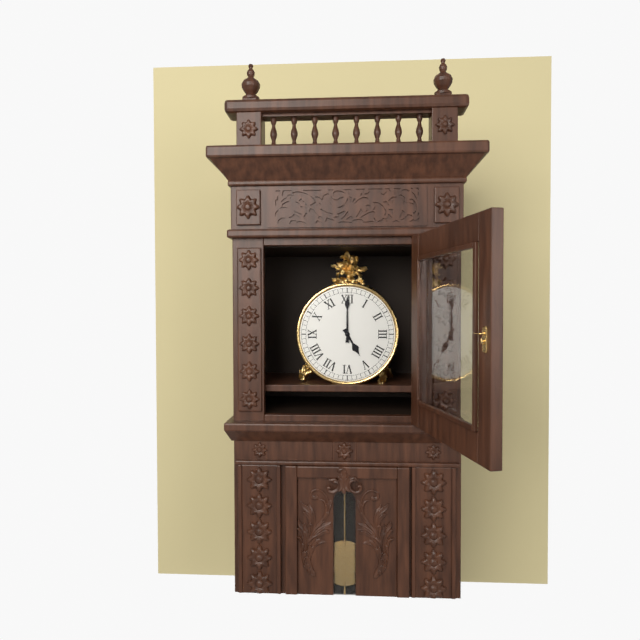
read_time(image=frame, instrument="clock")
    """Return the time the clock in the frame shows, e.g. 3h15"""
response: 5h00
